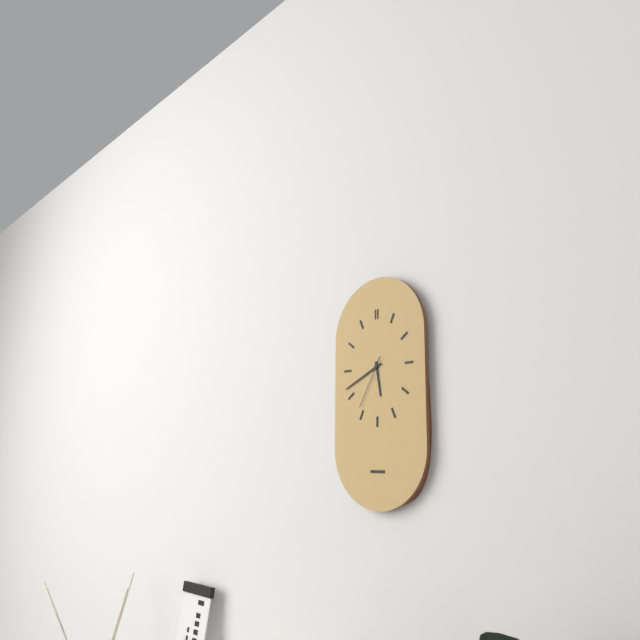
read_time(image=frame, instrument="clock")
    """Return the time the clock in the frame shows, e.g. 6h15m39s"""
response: 5h41m35s
